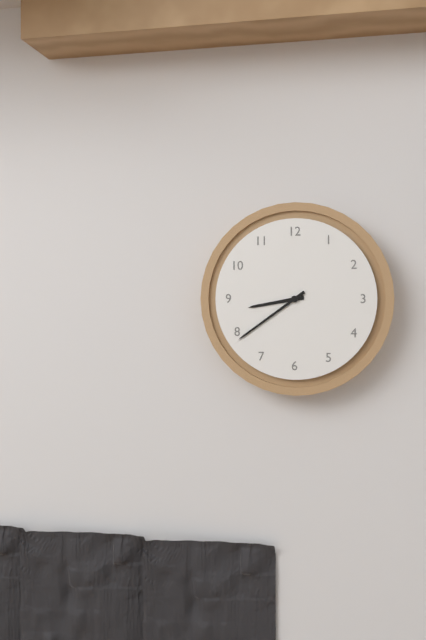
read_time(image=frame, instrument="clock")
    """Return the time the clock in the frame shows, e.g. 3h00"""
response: 8h39
